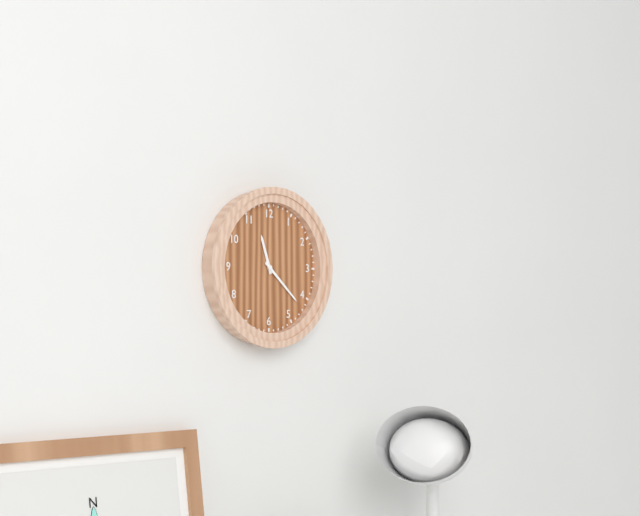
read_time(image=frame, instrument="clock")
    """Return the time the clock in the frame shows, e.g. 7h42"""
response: 11h22
